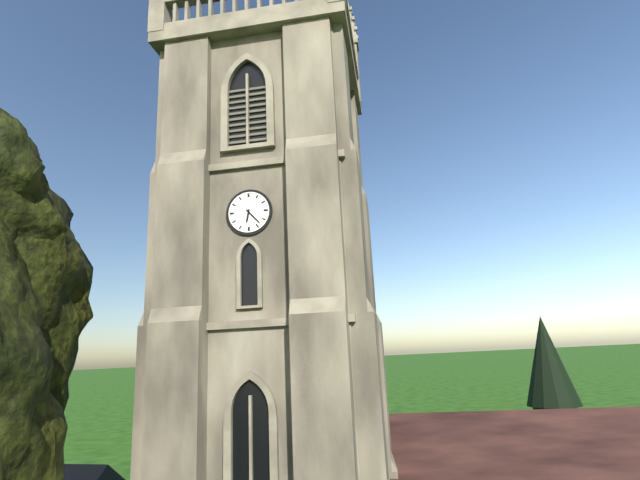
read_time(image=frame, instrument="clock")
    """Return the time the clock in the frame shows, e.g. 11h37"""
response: 6h23
